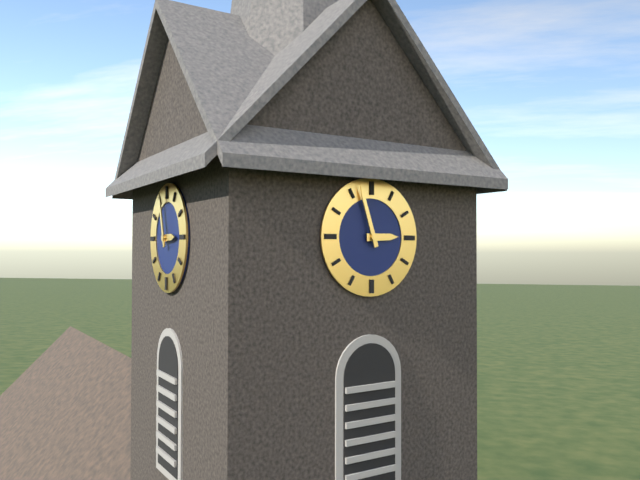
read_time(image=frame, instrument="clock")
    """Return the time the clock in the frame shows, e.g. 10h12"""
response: 2h57
